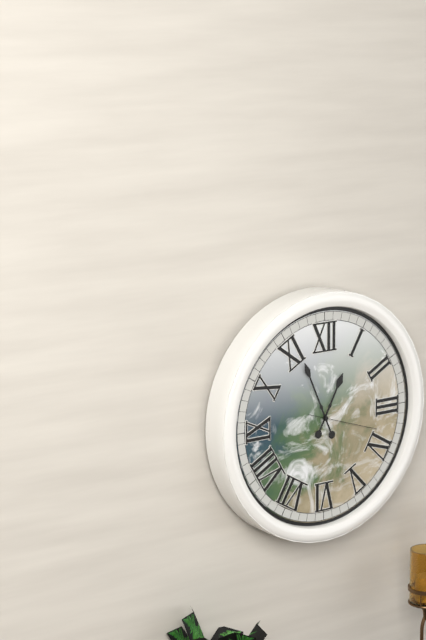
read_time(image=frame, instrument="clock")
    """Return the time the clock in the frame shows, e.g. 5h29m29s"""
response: 12h56m18s
